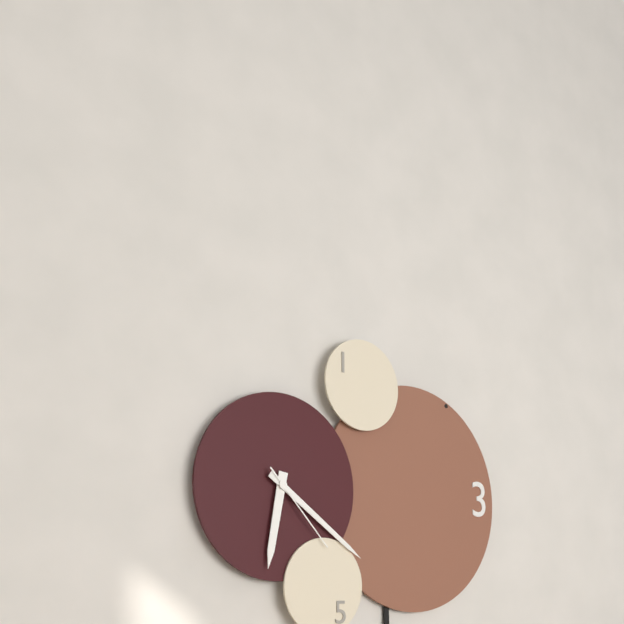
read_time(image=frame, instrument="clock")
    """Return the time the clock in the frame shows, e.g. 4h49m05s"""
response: 6h21m23s
